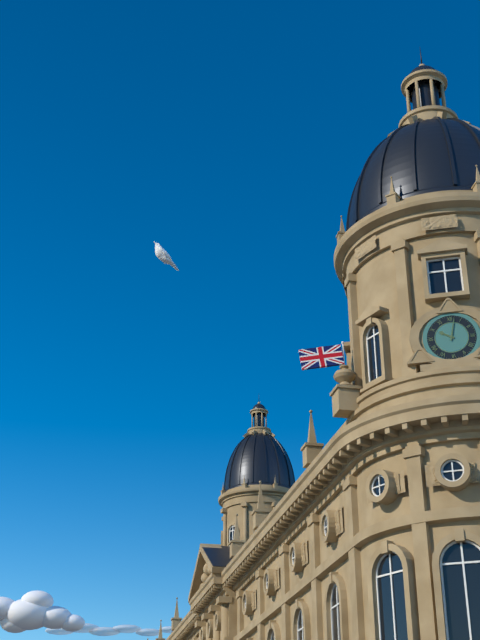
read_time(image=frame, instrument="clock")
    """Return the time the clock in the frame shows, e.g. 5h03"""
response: 10h02
